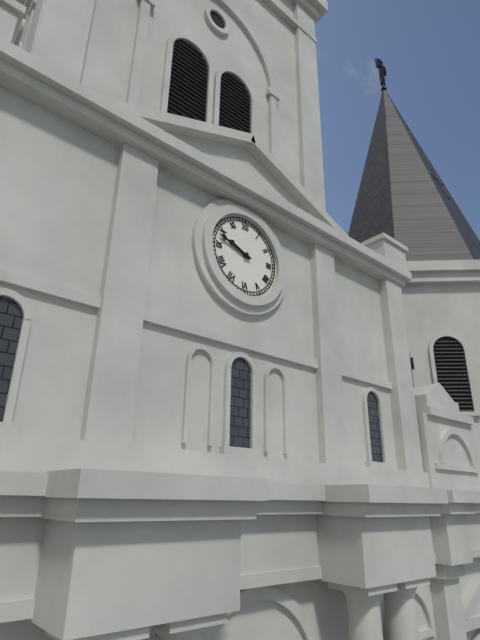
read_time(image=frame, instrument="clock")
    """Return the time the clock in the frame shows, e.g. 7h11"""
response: 9h48
